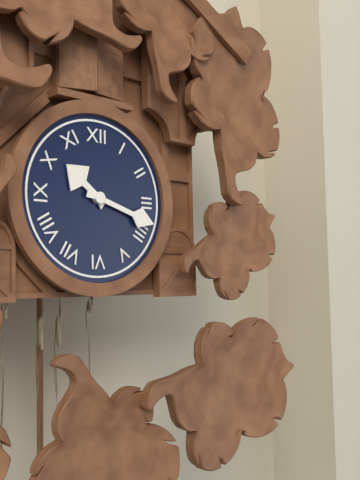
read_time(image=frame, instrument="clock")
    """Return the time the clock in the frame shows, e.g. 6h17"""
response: 10h18
